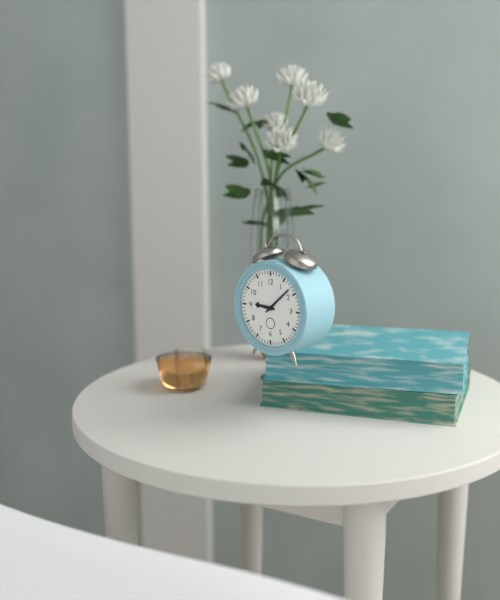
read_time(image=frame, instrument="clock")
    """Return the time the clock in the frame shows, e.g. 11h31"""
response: 9h08
